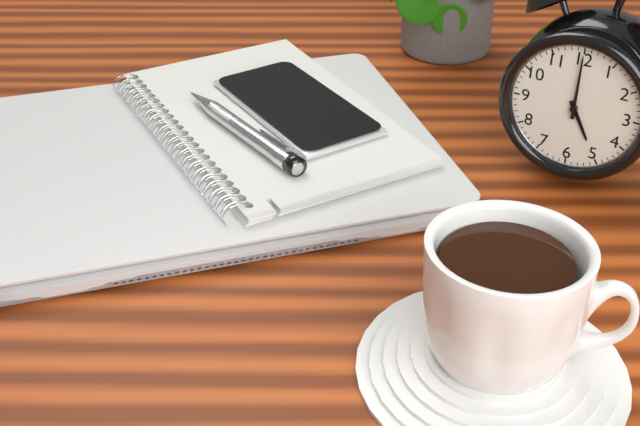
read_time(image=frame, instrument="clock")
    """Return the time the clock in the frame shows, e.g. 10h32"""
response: 5h00
